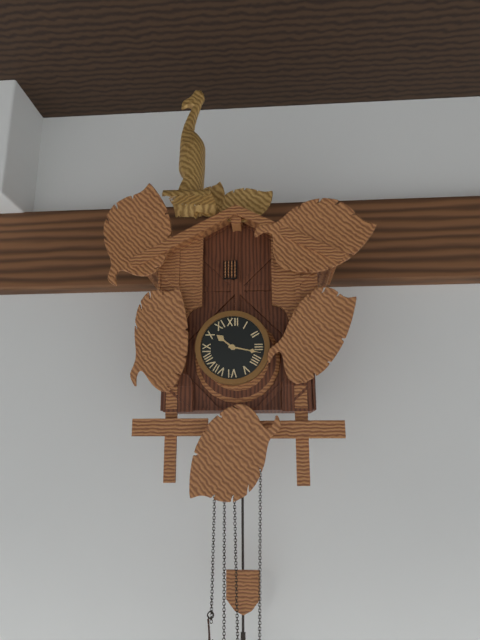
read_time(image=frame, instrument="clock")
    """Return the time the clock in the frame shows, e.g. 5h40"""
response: 10h17
